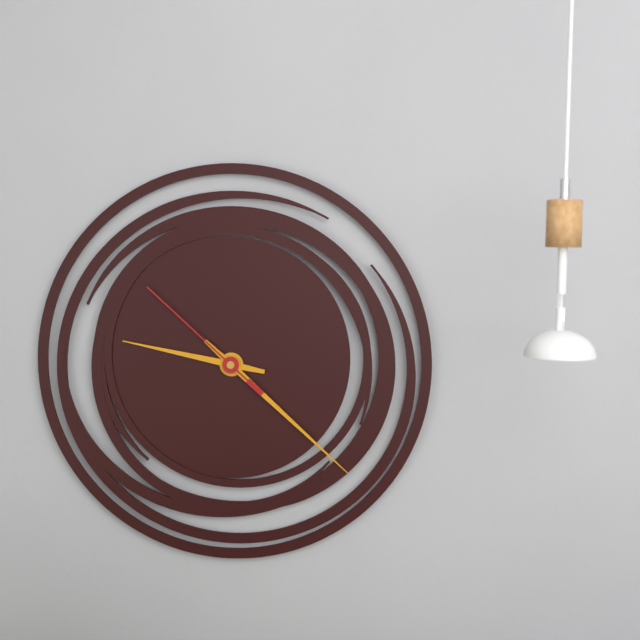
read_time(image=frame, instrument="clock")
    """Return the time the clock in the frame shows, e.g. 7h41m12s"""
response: 9h22m52s
